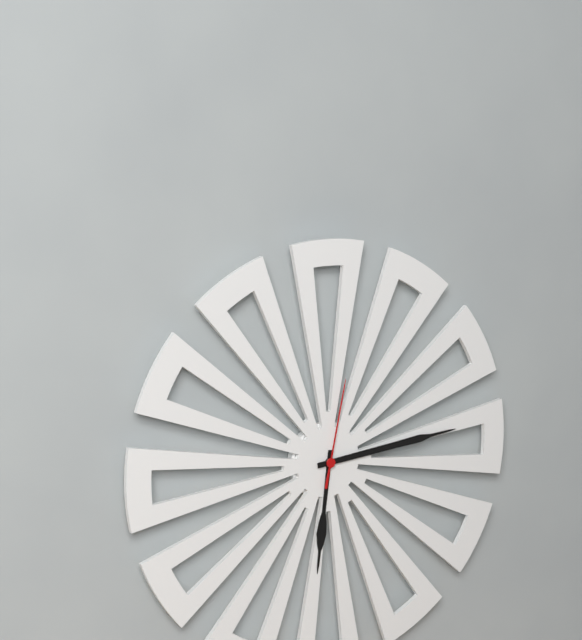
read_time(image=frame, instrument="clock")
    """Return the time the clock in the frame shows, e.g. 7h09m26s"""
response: 6h14m02s
